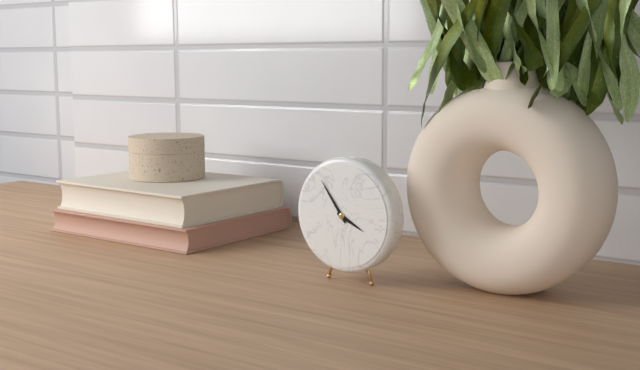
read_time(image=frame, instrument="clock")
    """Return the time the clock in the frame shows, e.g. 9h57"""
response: 3h54
